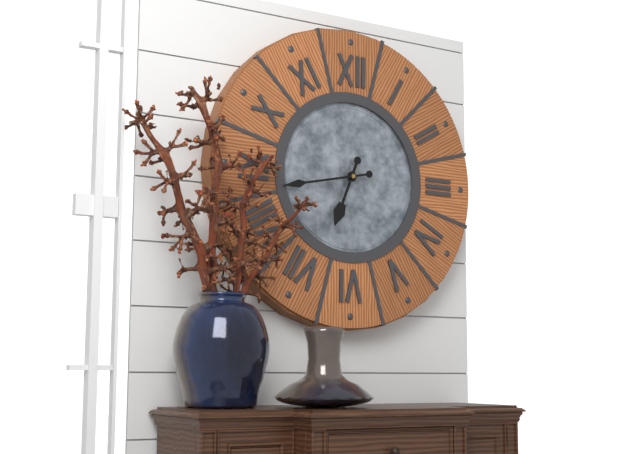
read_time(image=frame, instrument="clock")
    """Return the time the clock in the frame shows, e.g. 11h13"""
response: 6h43
